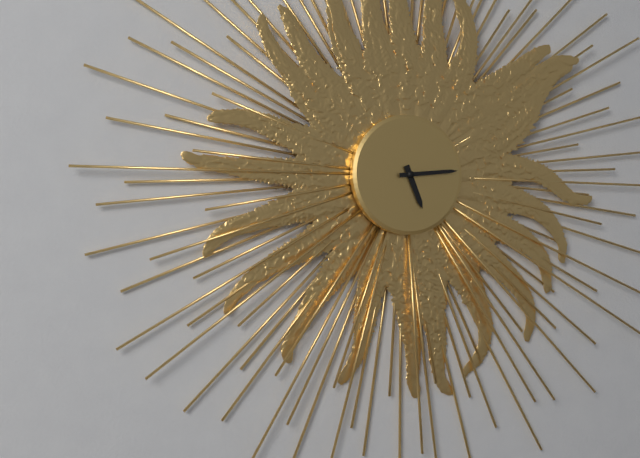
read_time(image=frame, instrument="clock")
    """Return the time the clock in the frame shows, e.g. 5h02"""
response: 5h14
